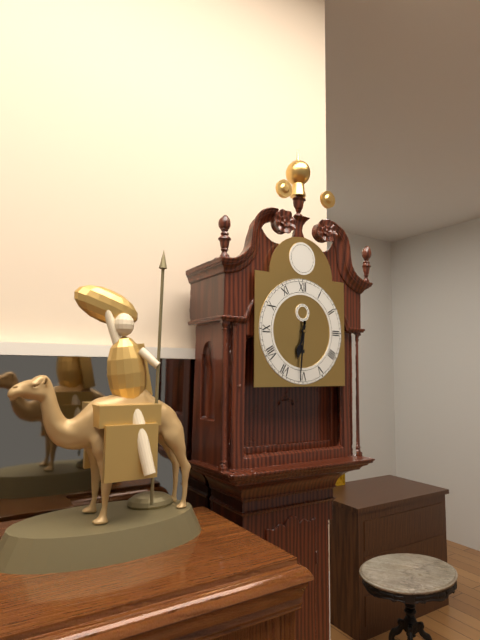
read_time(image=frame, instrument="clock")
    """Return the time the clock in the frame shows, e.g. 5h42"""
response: 6h31
